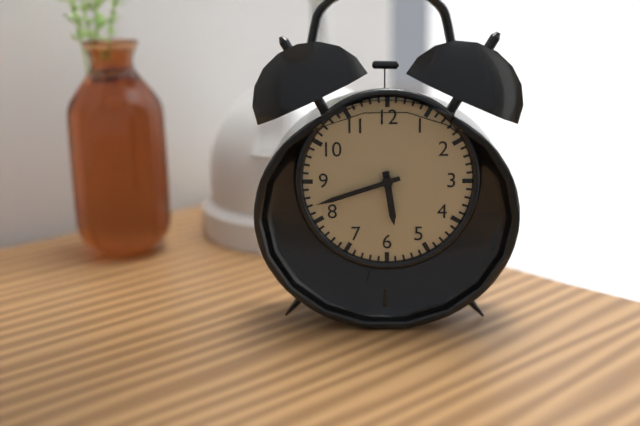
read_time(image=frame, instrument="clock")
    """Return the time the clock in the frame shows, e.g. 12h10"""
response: 5h42
